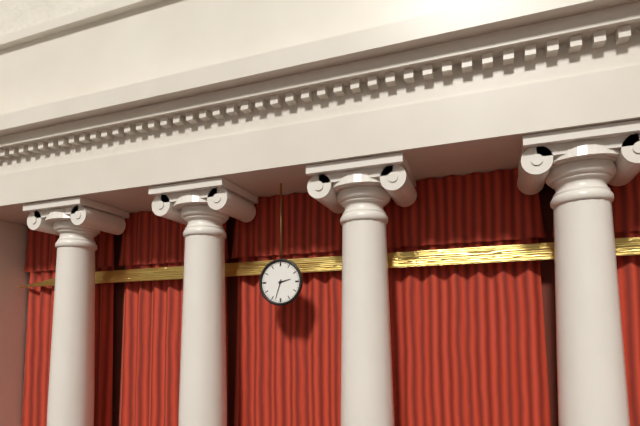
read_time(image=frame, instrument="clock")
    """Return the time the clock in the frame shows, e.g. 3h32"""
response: 2h33
